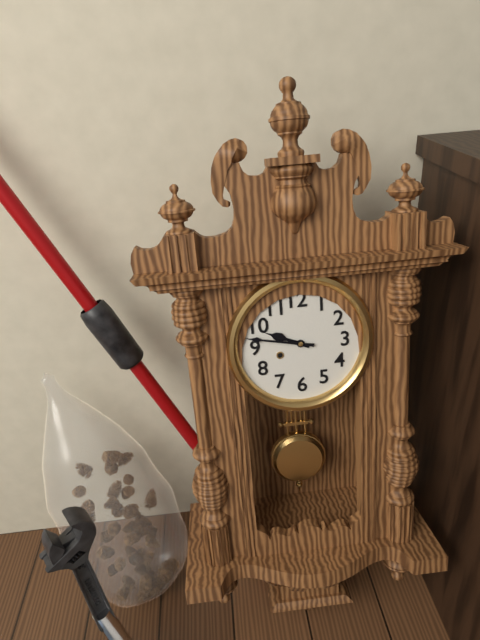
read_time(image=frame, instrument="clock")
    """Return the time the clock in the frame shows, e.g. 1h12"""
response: 9h47
